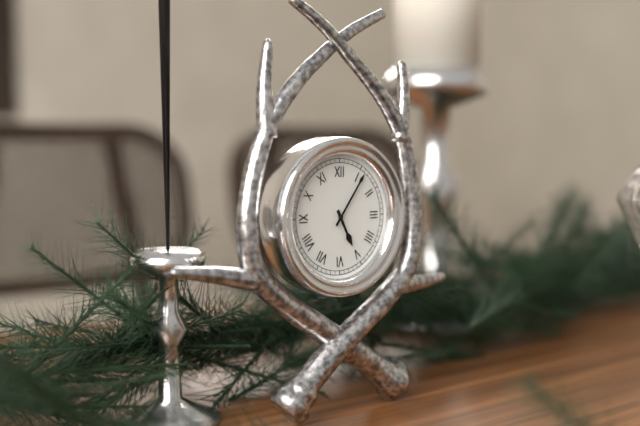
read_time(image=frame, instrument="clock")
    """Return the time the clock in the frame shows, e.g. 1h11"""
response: 5h06
